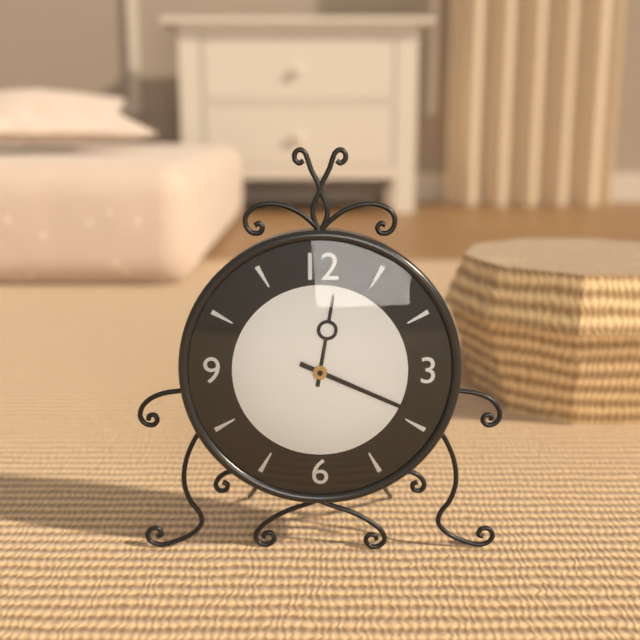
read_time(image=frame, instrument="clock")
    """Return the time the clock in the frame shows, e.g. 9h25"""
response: 12h19
